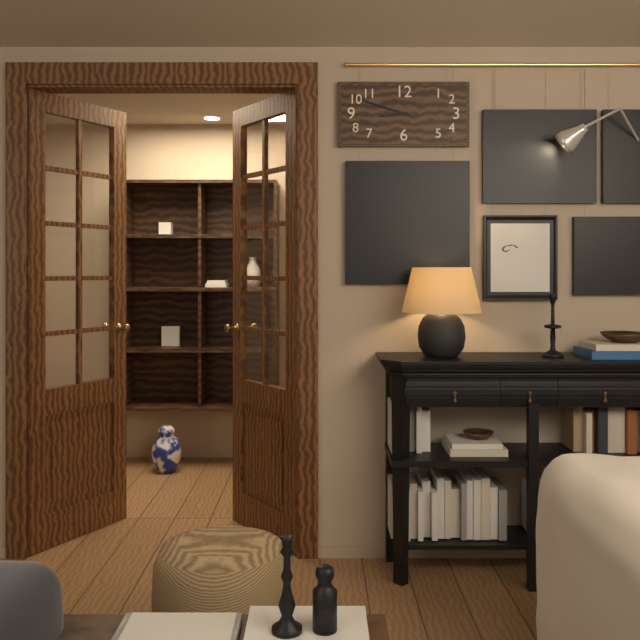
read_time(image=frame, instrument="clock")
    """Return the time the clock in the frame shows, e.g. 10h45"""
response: 8h48
